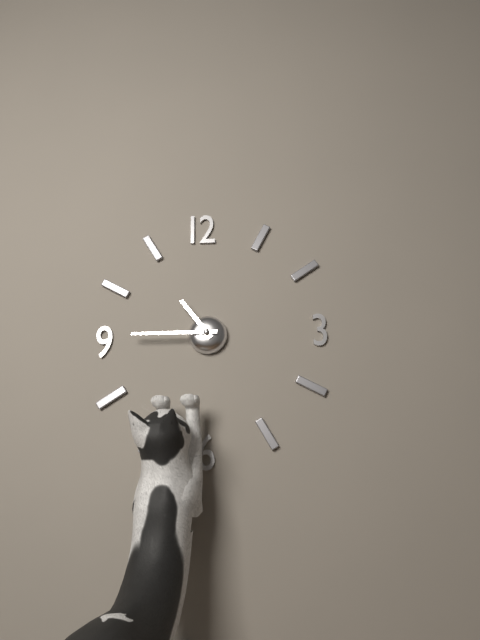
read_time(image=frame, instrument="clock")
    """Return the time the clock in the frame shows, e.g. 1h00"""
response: 10h45
